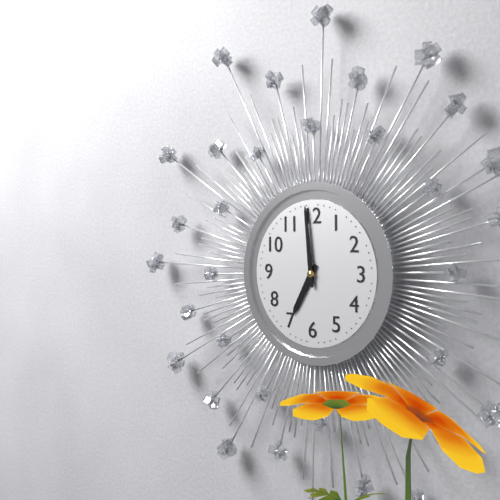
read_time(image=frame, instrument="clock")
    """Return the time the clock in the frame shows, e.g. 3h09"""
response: 6h59
